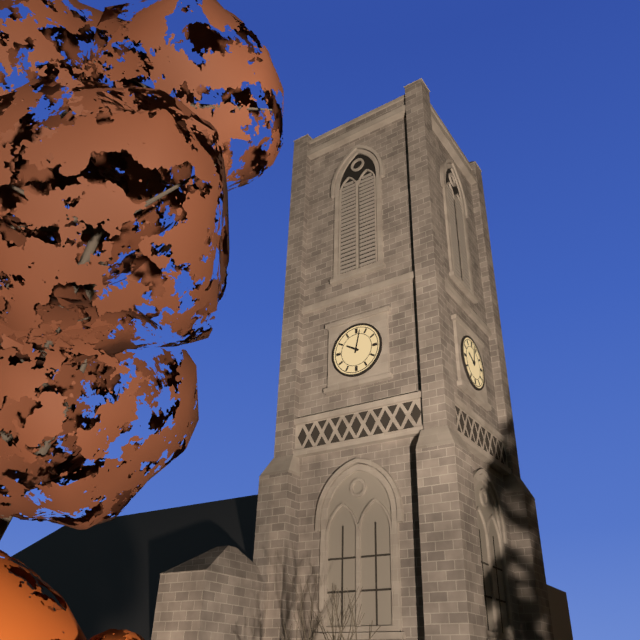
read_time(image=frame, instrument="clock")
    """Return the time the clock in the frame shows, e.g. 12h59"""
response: 10h02
